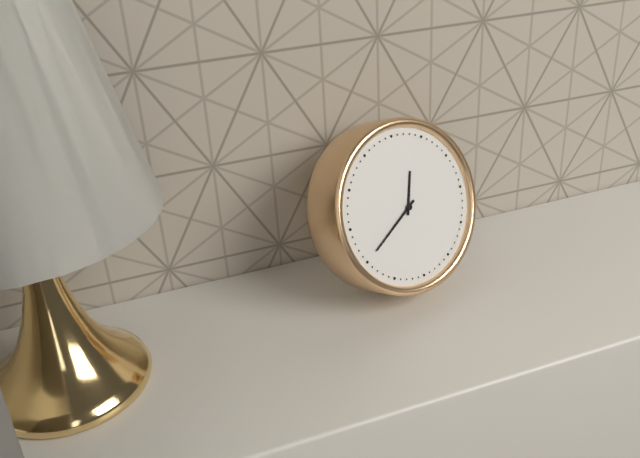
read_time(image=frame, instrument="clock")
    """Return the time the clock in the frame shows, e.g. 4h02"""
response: 12h40
